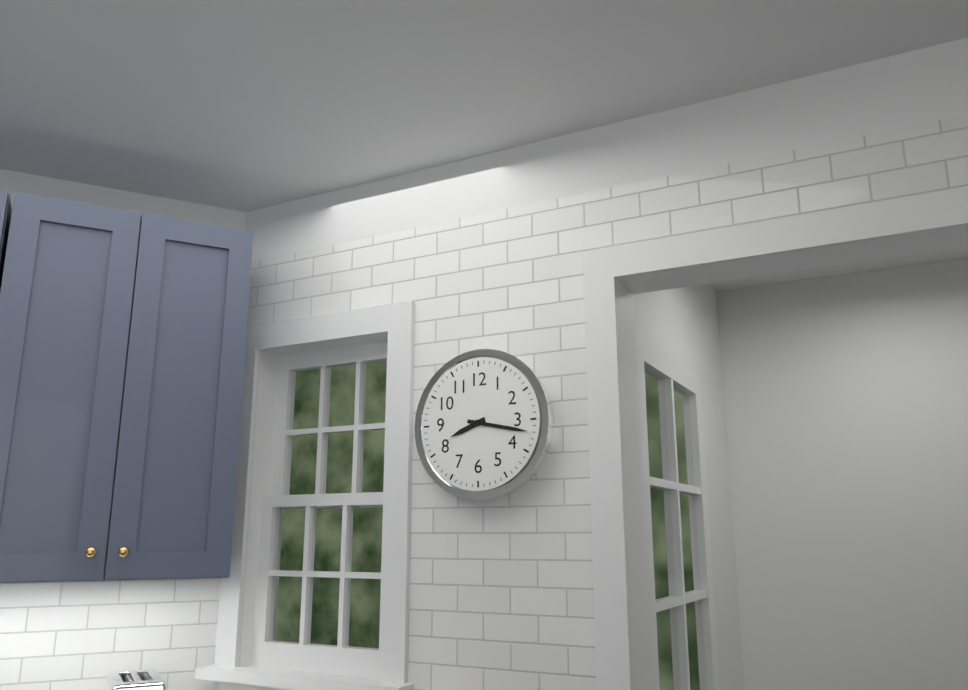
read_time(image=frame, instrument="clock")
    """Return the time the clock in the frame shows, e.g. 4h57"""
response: 8h17
